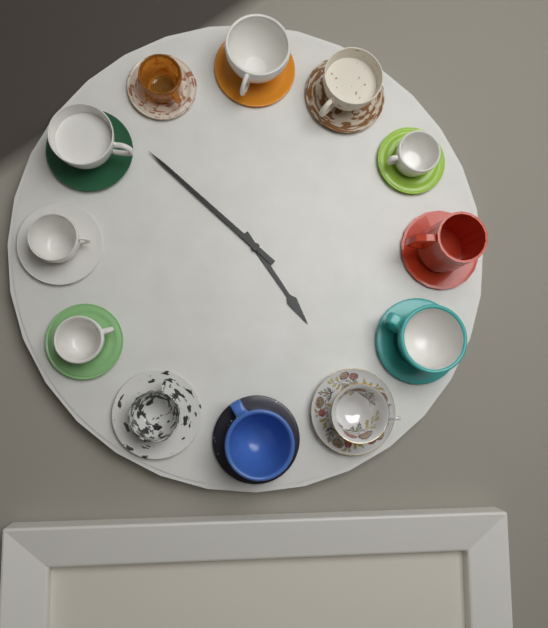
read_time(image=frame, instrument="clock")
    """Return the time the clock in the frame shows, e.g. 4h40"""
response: 4h52
